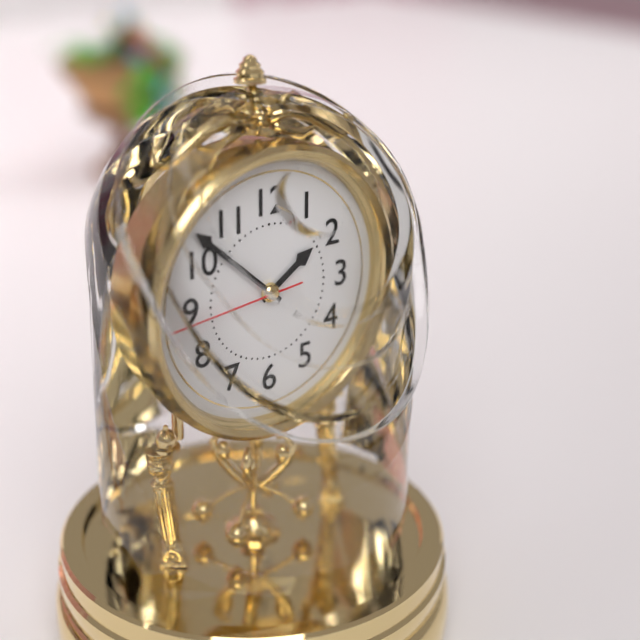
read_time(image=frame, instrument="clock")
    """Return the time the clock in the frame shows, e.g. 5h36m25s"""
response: 1h52m44s
